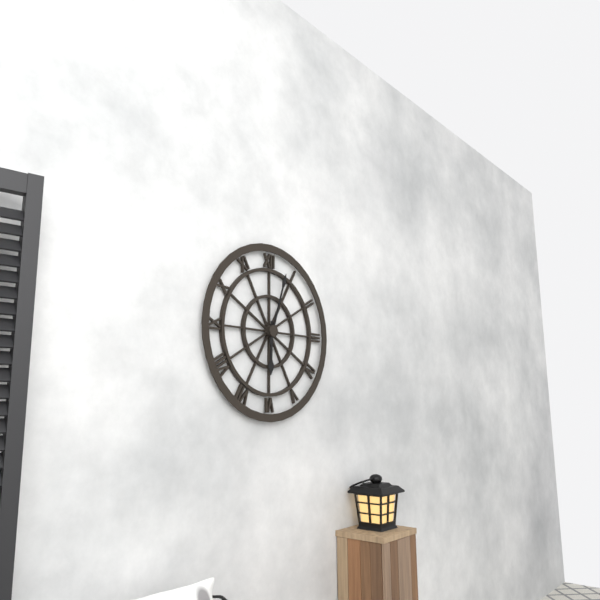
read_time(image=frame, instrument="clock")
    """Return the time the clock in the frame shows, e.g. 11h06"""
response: 6h03
